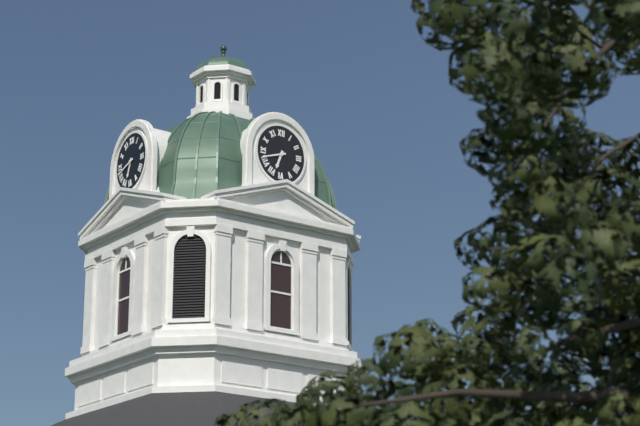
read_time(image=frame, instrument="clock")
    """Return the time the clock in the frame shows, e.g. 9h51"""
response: 6h42
